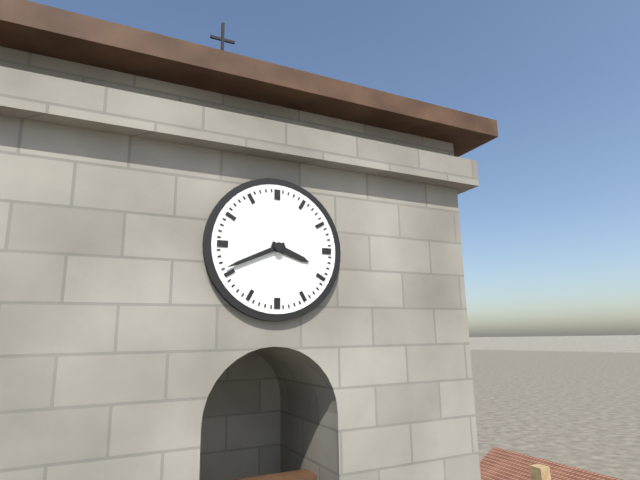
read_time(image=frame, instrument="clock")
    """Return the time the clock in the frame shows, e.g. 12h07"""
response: 3h41
